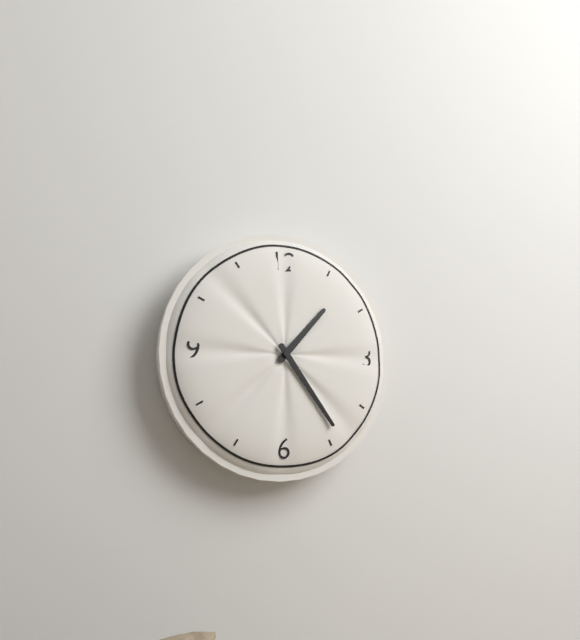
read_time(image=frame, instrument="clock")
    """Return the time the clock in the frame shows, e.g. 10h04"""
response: 1h24
